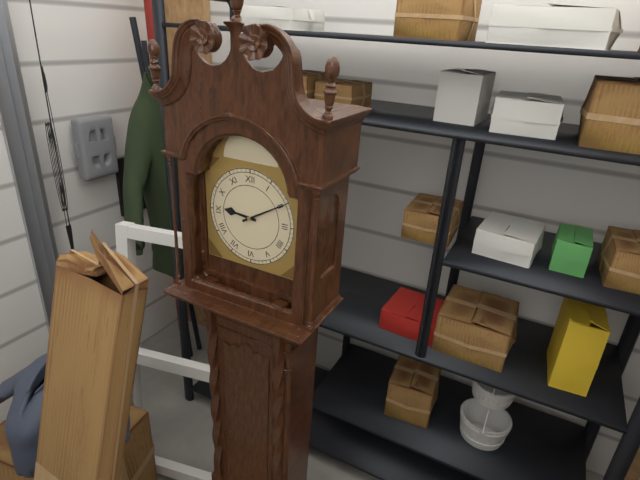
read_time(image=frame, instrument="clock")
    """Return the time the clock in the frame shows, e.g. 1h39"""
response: 9h10
